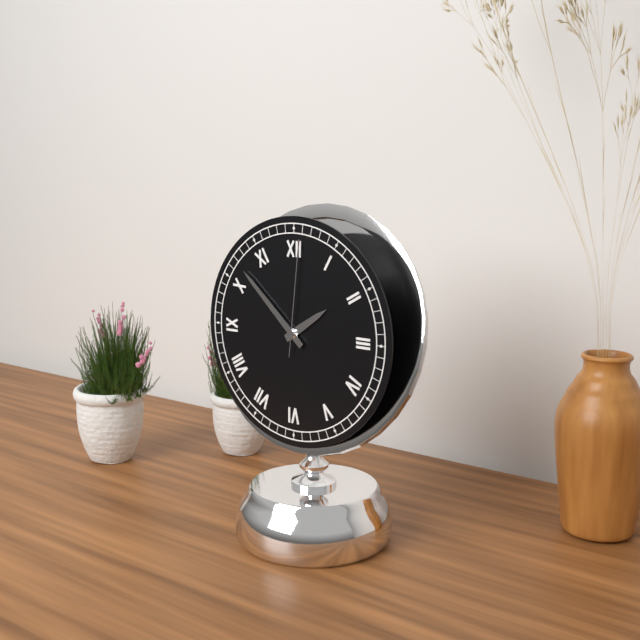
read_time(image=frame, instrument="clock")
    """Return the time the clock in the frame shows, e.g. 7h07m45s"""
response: 1h52m01s
